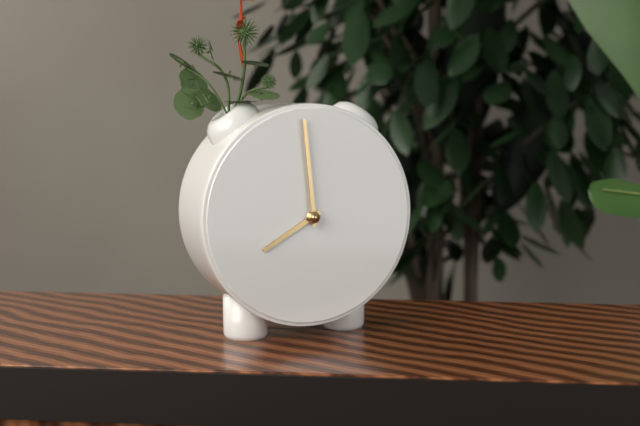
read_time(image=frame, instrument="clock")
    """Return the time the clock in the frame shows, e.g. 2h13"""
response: 7h59
